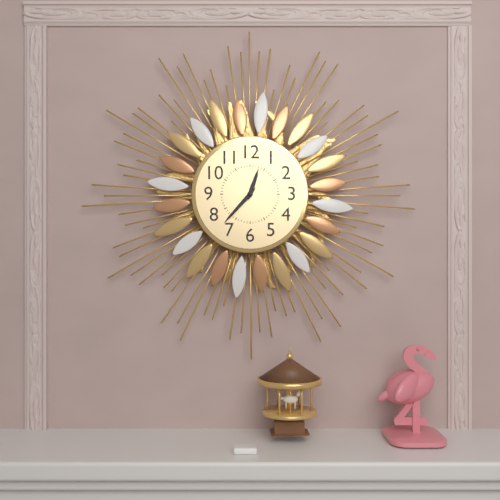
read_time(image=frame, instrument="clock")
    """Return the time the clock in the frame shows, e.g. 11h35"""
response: 12h37
